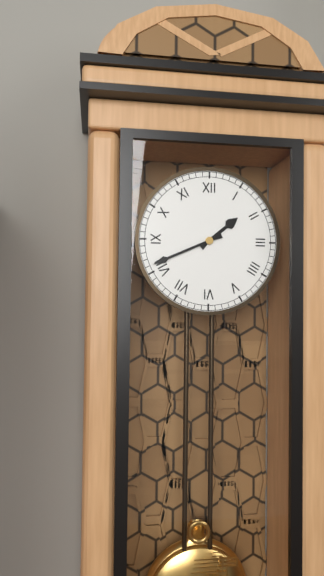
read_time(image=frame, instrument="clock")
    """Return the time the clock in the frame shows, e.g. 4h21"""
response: 1h41
